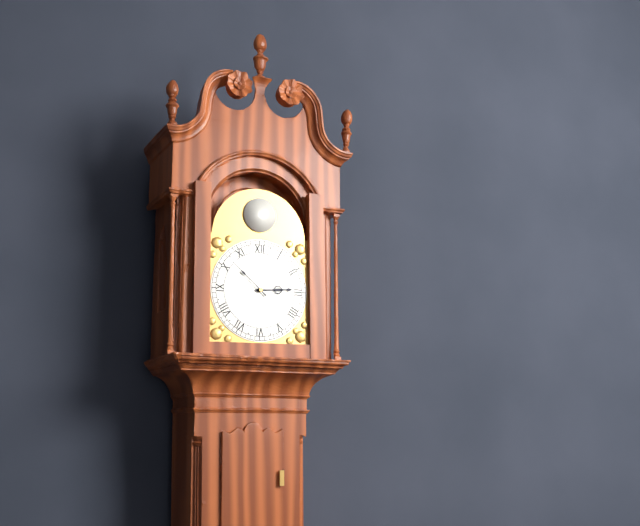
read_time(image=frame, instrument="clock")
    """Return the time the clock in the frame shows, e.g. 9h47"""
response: 2h52
